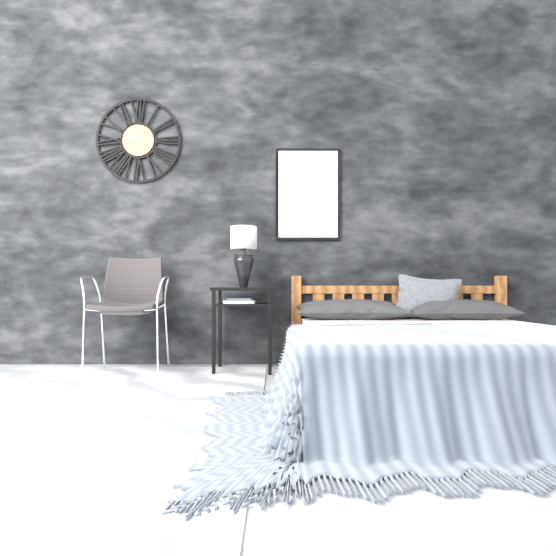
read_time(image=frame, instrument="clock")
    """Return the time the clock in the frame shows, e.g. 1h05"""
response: 9h44
